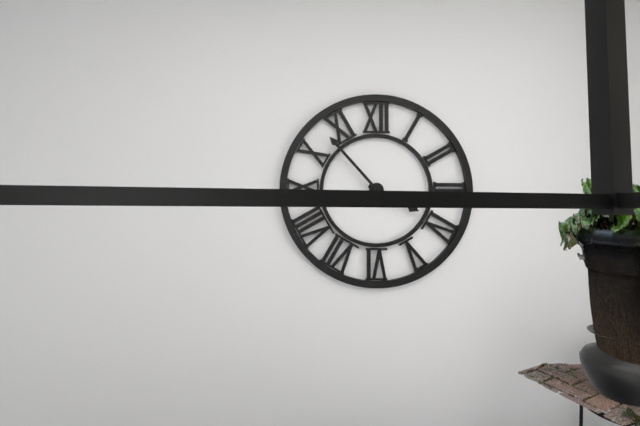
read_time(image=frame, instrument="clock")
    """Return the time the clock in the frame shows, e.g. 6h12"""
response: 3h53
